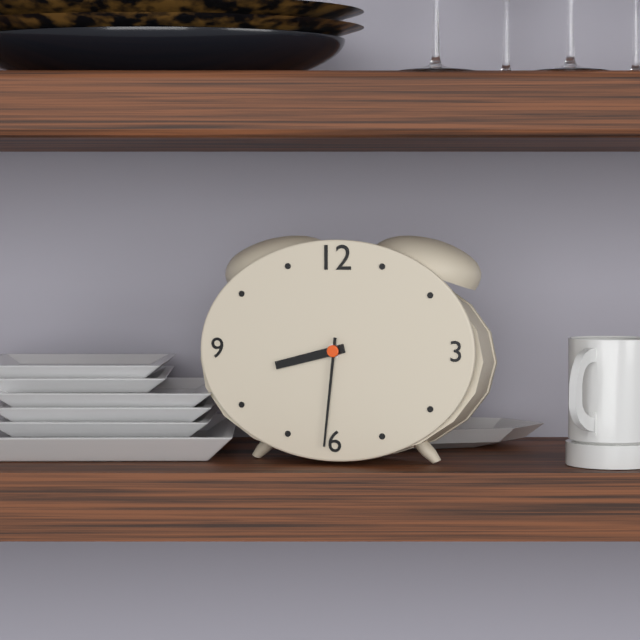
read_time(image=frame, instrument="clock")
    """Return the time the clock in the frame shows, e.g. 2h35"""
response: 8h31
